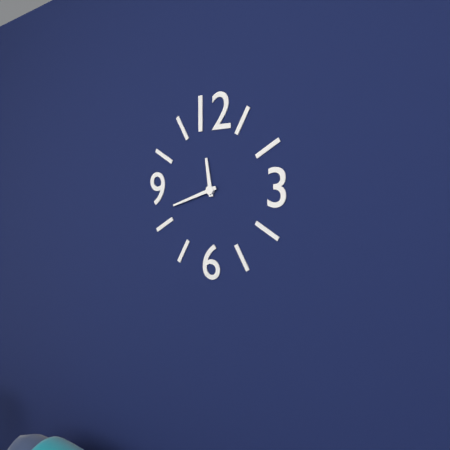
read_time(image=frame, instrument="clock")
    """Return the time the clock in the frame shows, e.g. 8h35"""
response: 11h42
